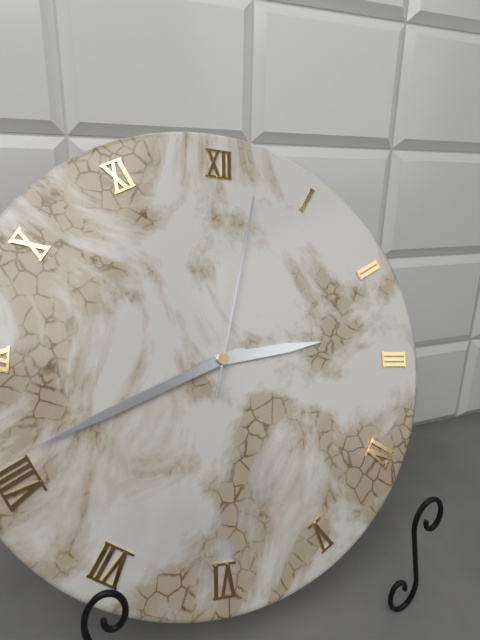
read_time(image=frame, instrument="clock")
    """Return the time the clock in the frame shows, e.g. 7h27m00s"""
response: 2h41m02s
